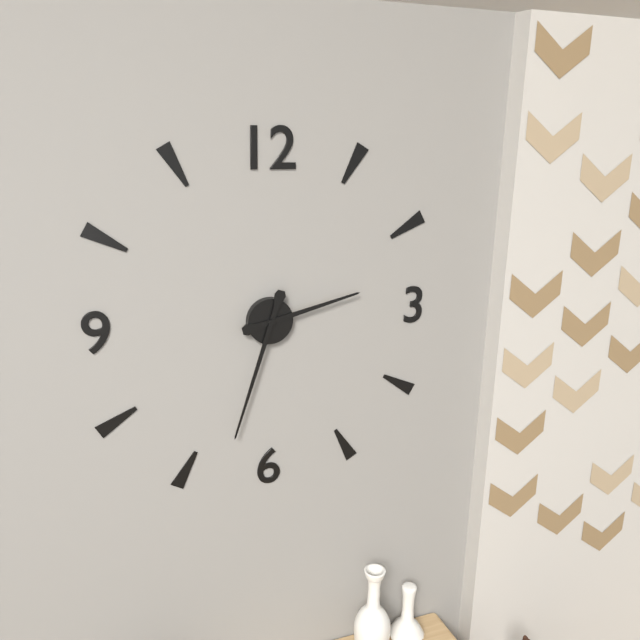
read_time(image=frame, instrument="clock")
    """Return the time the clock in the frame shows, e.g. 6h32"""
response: 2h33
